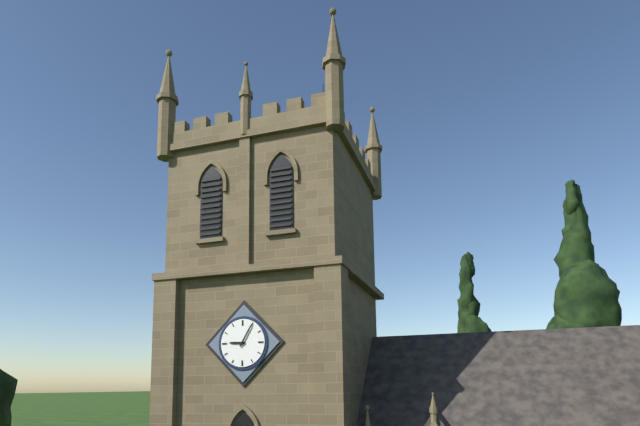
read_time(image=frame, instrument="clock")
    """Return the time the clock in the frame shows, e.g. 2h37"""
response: 9h05
